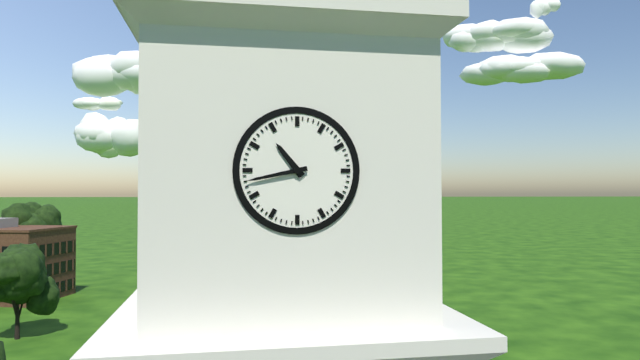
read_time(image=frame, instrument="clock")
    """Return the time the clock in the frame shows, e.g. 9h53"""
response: 10h43
